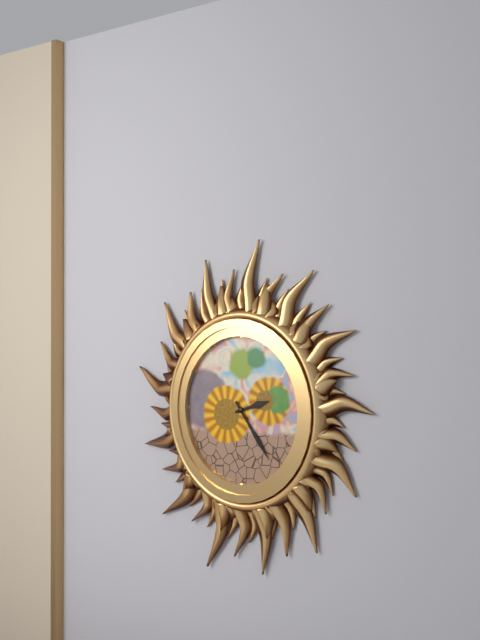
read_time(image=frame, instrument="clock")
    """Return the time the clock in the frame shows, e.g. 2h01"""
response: 2h24
